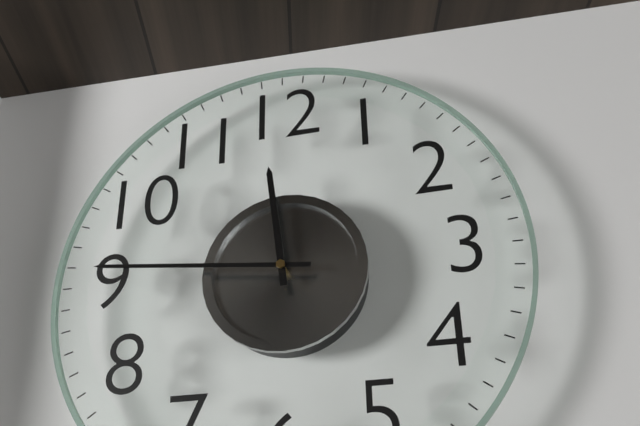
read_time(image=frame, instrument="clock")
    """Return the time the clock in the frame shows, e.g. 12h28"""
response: 11h46
